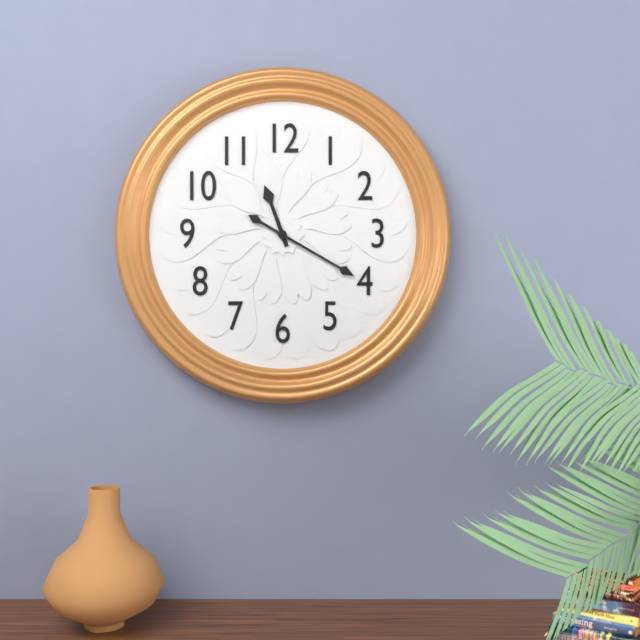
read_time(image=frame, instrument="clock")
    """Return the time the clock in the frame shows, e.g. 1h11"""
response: 11h20
